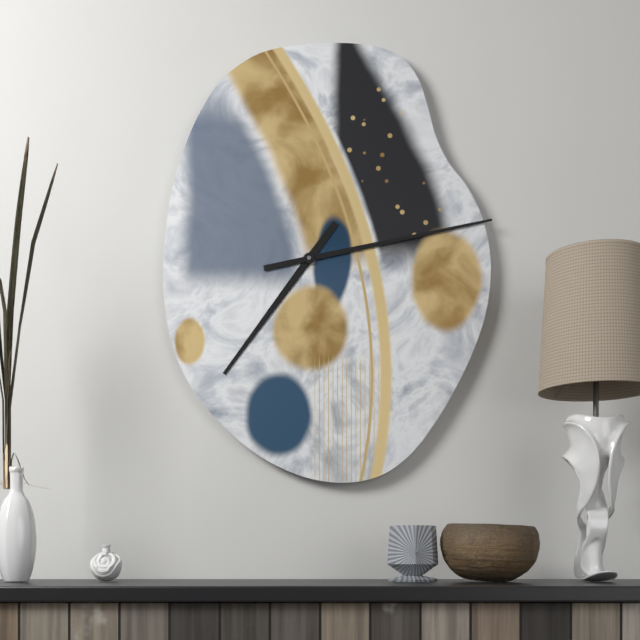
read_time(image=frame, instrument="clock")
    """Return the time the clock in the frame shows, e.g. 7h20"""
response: 7h13
